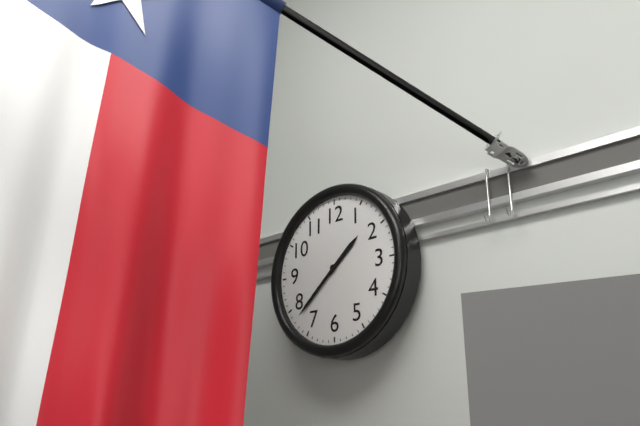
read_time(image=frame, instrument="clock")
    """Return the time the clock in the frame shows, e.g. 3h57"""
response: 1h38
